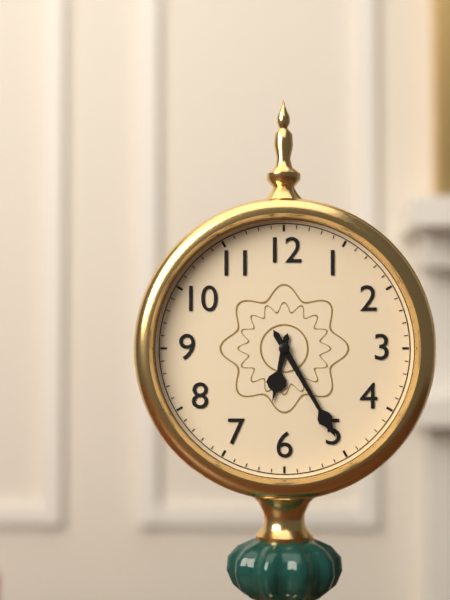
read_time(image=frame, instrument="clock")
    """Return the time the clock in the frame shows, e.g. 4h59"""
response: 6h25
